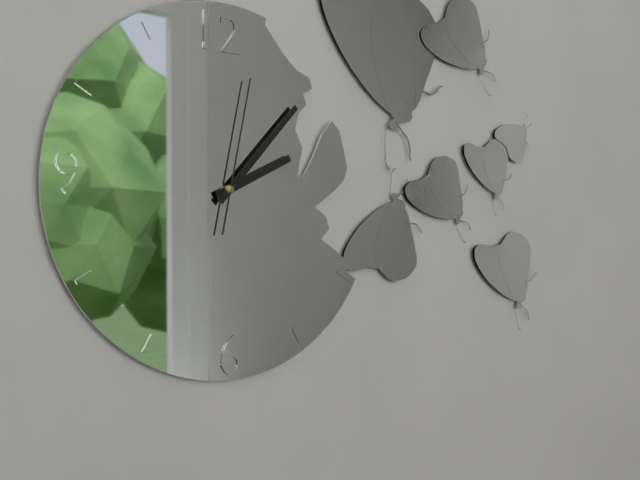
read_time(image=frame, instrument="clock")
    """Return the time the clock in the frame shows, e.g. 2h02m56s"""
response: 2h07m02s
